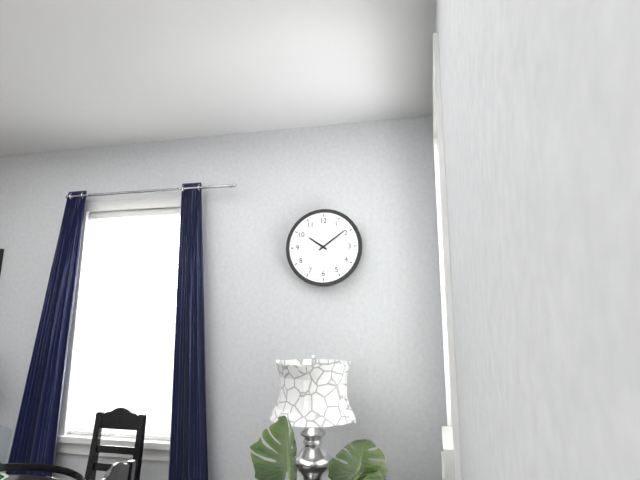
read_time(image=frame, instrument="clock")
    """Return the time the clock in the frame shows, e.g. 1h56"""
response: 10h09
